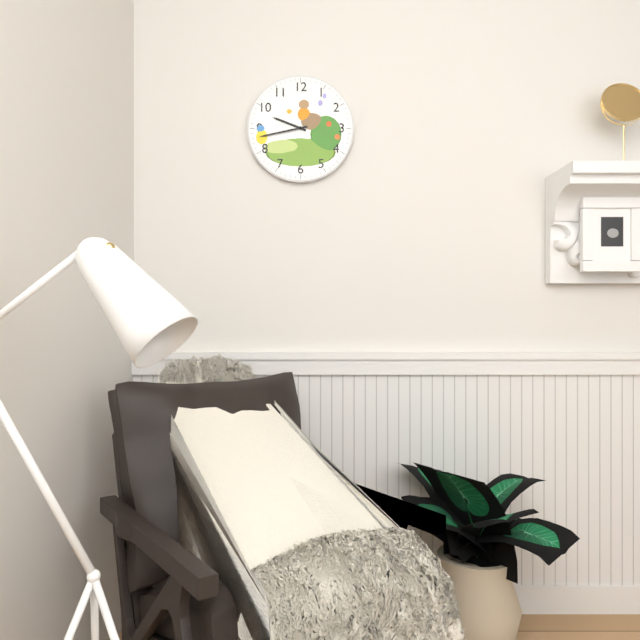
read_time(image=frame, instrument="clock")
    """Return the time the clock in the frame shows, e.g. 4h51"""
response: 9h43
